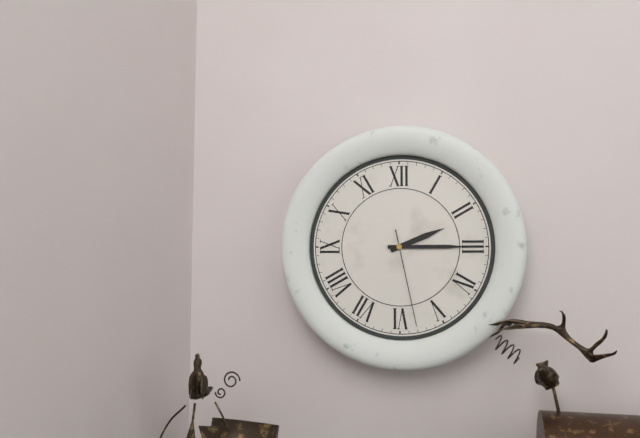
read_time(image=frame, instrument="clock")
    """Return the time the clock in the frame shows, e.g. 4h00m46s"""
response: 2h15m28s
